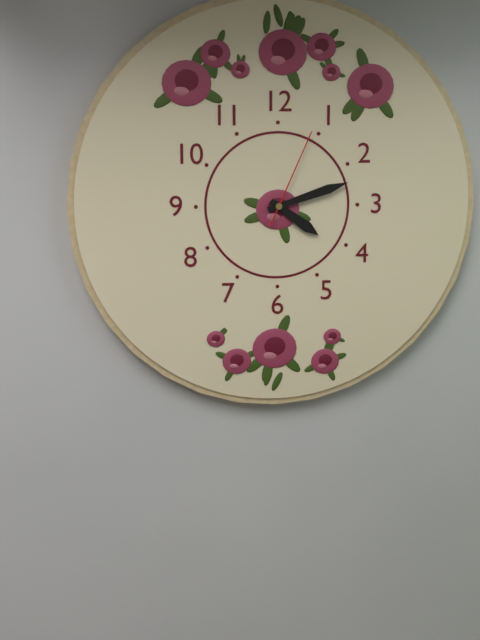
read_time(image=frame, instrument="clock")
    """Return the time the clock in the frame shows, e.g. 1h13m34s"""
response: 4h12m04s
